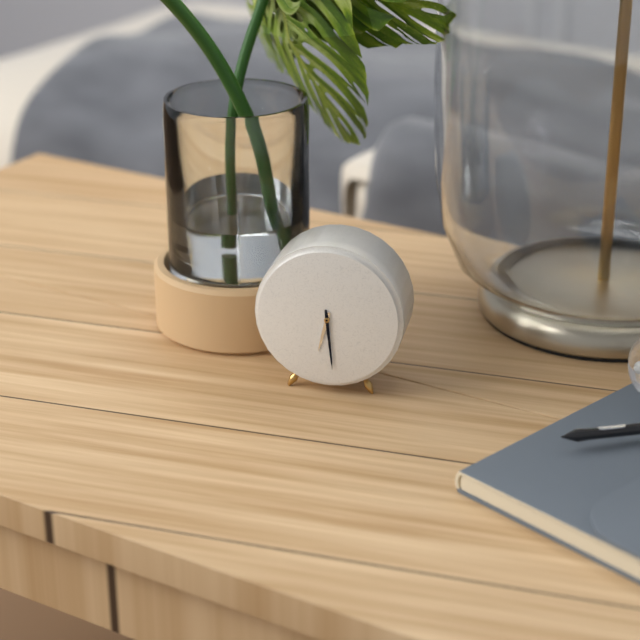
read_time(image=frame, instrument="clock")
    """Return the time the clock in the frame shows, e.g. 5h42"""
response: 6h29
